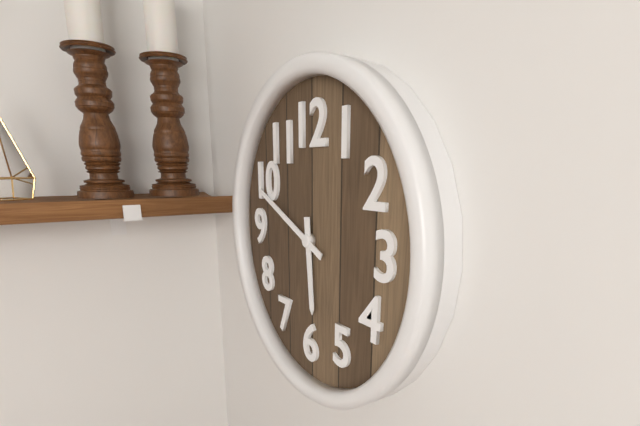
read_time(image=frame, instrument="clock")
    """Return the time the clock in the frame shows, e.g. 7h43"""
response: 5h49
